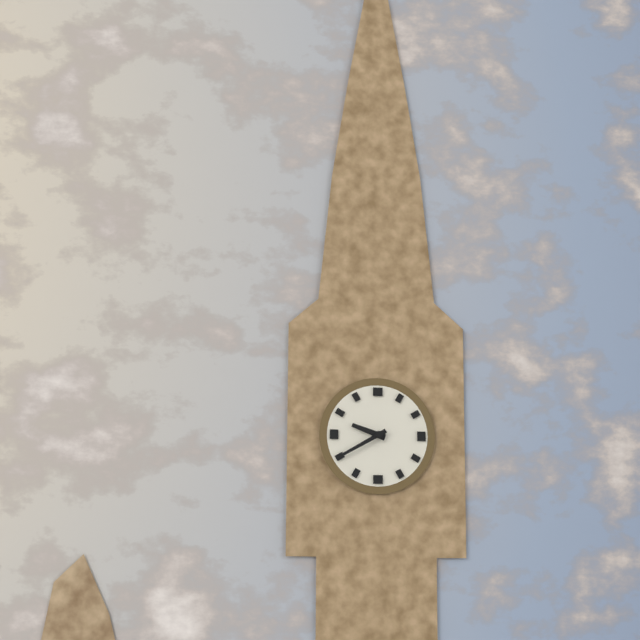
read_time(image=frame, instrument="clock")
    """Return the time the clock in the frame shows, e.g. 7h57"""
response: 9h40
